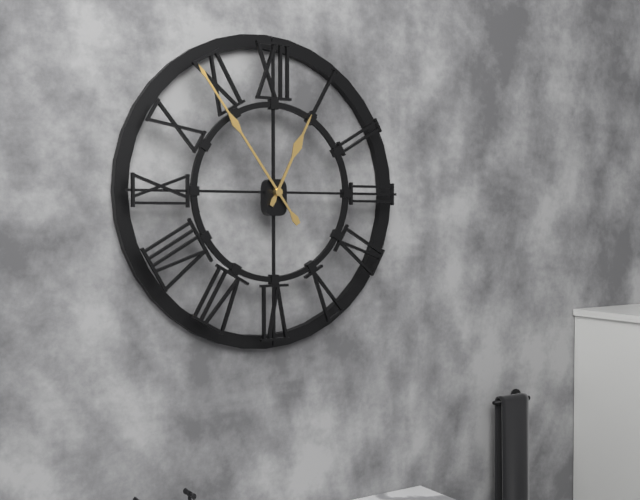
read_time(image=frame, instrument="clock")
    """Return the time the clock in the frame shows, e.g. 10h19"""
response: 12h54
